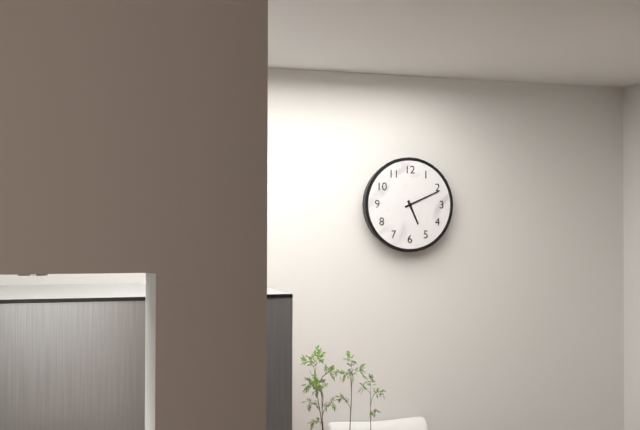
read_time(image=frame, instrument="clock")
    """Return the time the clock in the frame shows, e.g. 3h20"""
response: 5h11
